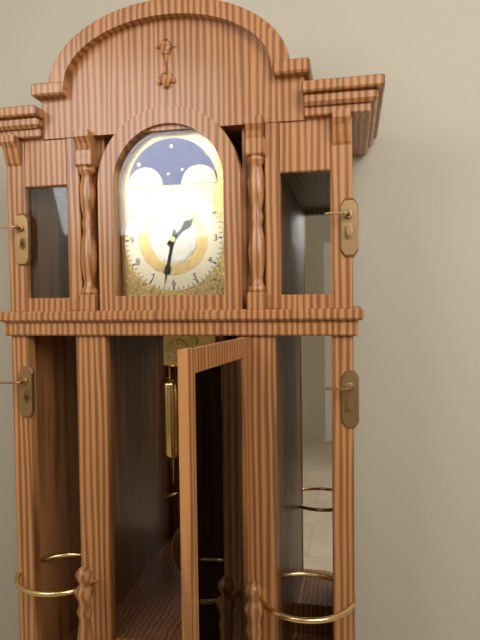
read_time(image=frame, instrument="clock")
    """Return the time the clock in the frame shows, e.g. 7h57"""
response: 1h32
